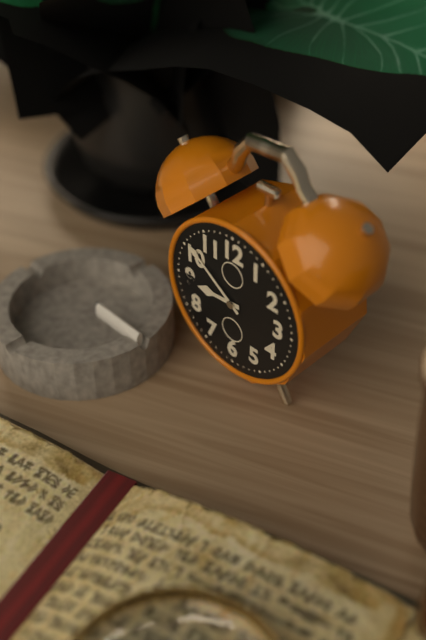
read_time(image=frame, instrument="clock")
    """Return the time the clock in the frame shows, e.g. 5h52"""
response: 8h51
